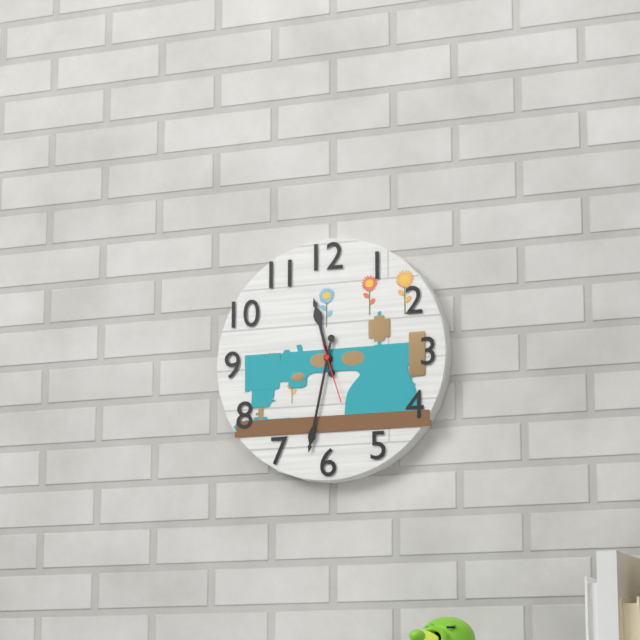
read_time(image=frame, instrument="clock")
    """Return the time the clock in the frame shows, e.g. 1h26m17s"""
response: 11h32m27s
